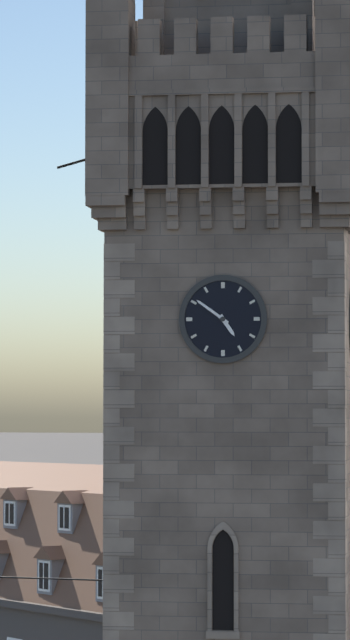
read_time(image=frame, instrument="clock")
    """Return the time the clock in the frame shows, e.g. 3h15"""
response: 4h51
